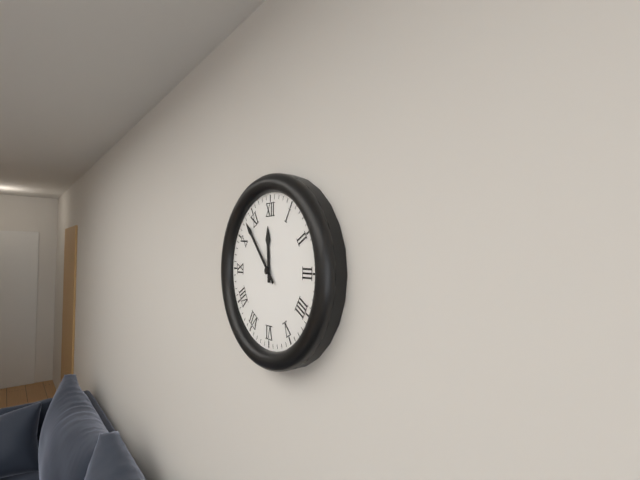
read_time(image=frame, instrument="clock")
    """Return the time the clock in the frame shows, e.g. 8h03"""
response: 11h53
